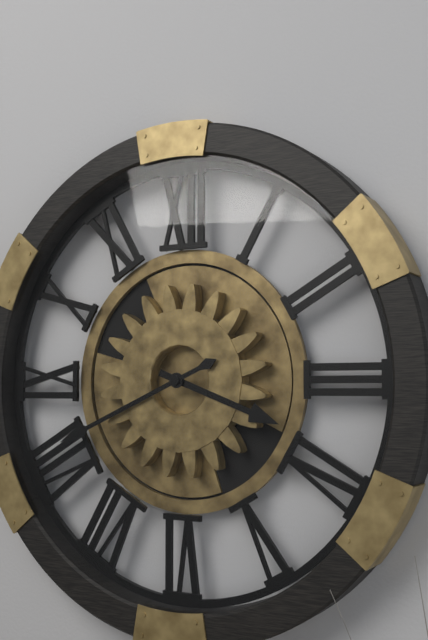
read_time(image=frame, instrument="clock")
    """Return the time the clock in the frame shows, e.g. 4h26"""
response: 3h41
